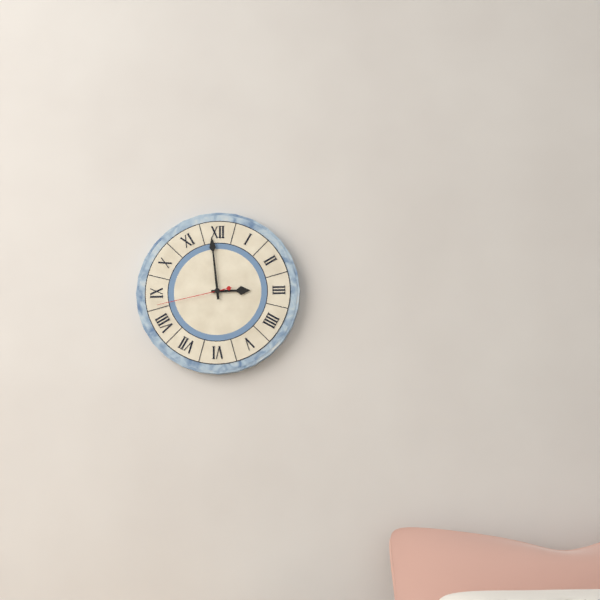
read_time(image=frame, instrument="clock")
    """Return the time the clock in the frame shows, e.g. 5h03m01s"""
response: 2h59m43s
